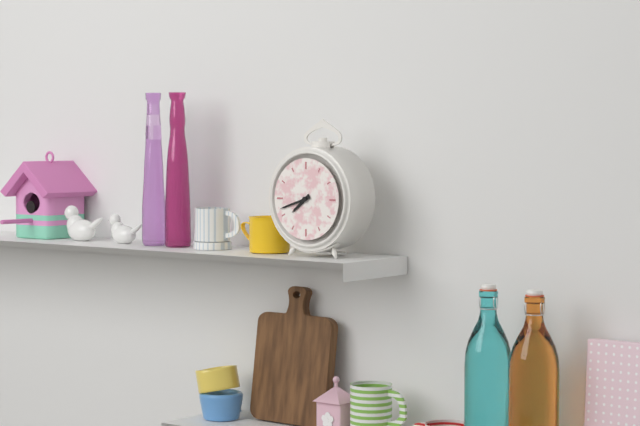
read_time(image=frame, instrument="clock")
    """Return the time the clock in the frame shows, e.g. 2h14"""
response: 7h42
